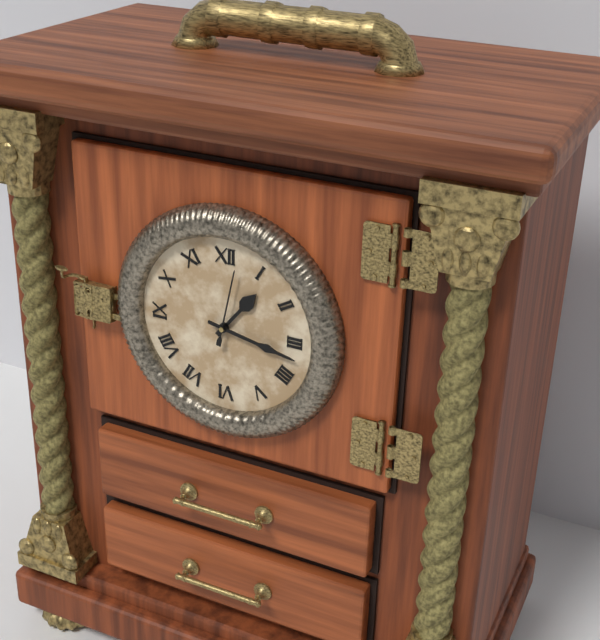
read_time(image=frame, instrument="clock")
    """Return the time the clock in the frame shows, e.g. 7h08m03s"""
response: 1h17m02s
